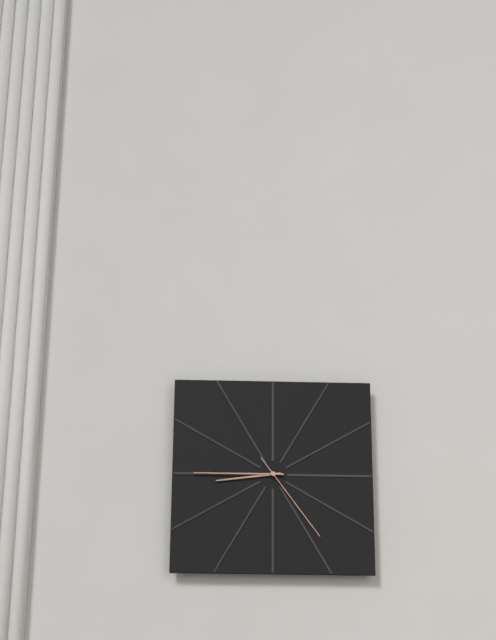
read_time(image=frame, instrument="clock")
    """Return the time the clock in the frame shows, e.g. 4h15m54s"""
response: 8h45m24s
